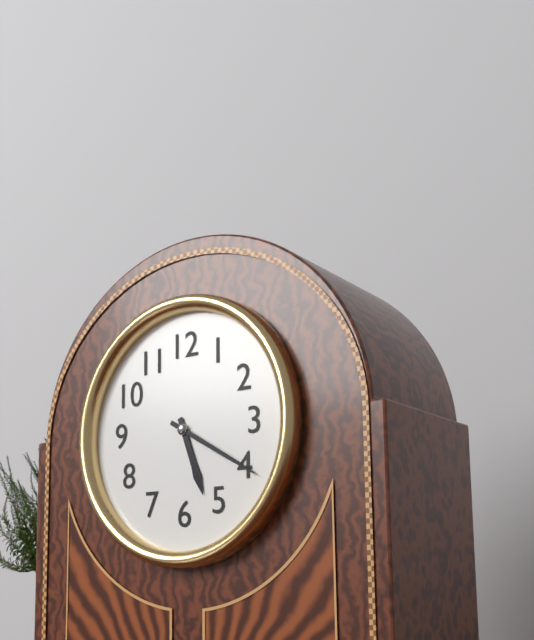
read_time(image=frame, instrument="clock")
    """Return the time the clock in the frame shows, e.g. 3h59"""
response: 5h20
